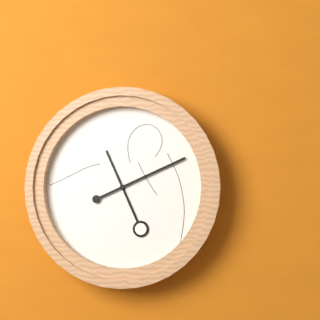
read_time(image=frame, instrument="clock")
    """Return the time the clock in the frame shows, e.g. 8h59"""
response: 11h11
